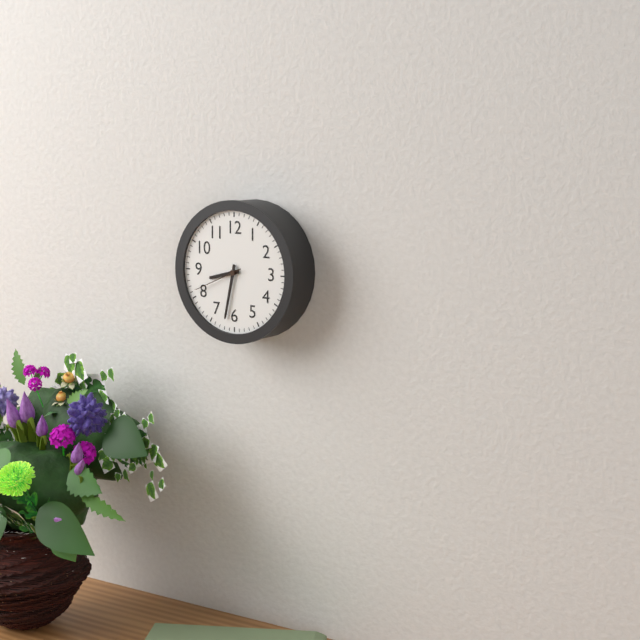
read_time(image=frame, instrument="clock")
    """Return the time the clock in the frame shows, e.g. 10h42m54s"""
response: 8h32m41s
